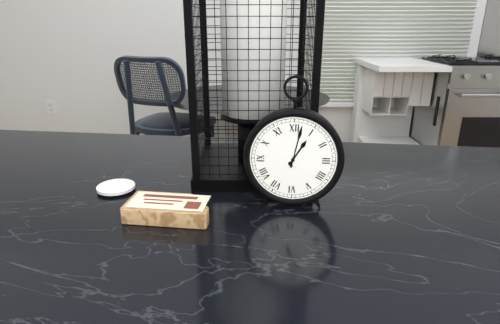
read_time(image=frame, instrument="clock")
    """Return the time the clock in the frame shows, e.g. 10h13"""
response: 1h02
